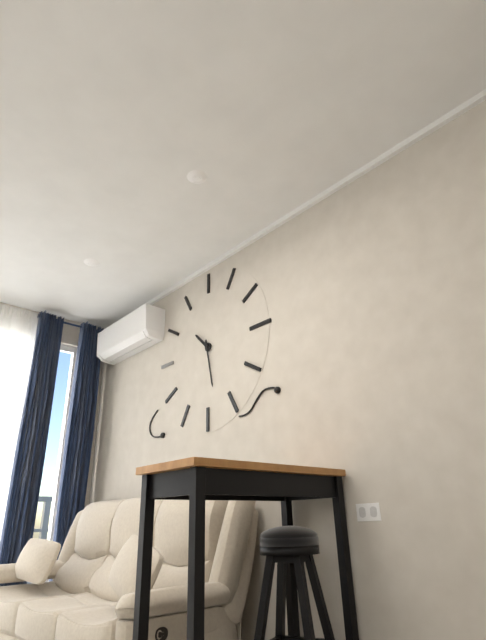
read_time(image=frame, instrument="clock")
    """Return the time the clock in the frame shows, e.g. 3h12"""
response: 10h28
